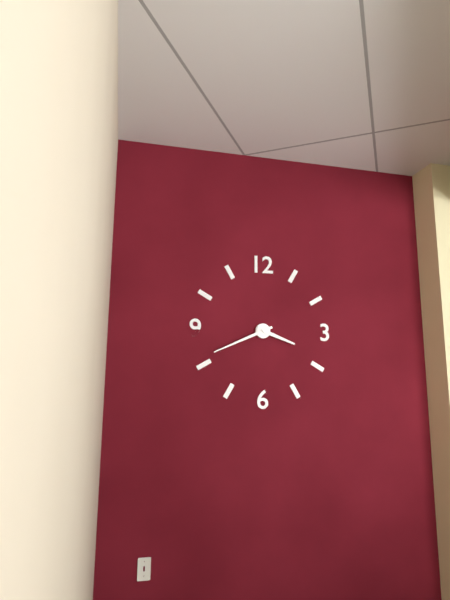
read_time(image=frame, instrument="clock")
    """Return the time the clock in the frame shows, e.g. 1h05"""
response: 3h41
